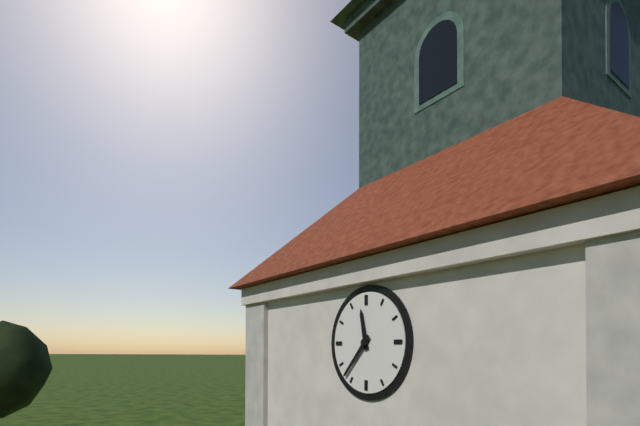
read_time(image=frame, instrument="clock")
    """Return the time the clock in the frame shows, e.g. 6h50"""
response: 11h37
